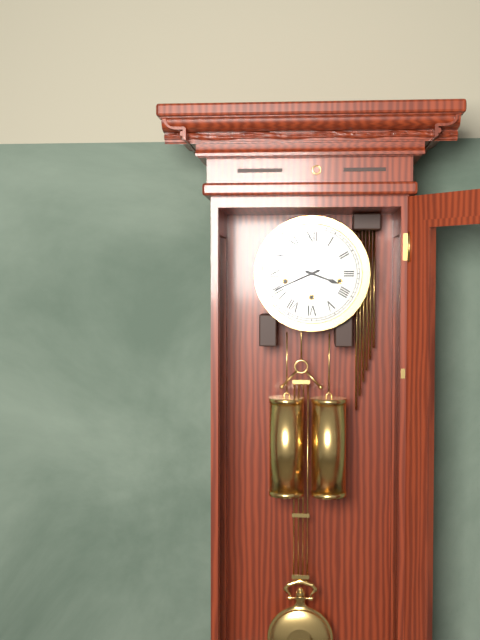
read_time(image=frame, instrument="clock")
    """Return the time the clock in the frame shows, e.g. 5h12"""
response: 3h41
